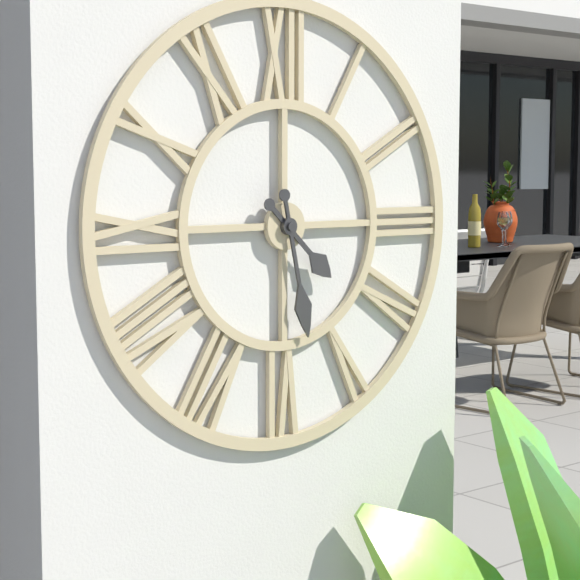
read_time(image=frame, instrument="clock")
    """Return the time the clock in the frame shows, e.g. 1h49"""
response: 4h28
